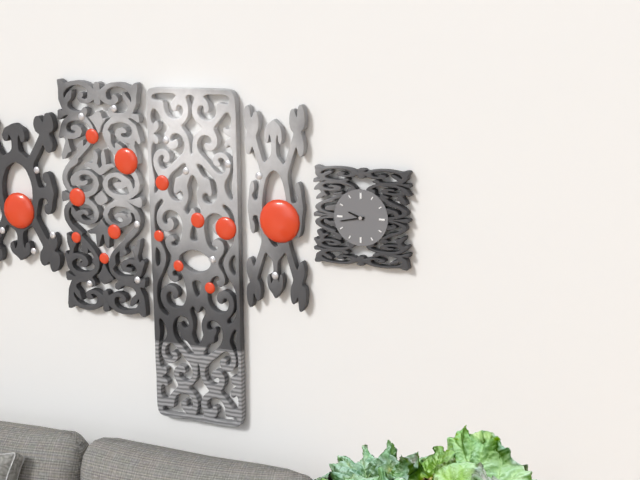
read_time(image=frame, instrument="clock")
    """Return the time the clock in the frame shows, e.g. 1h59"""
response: 9h43
